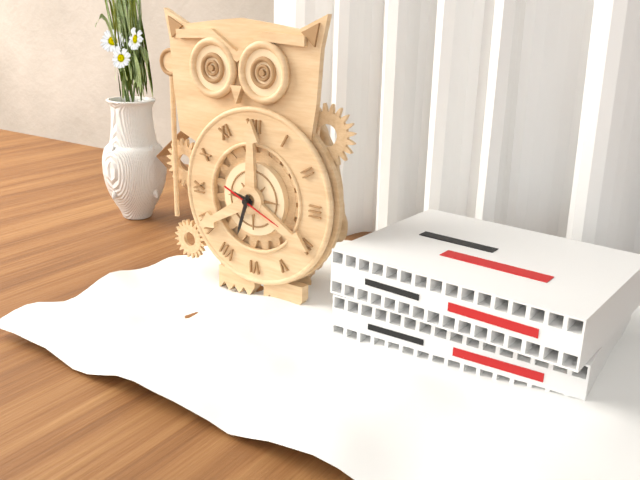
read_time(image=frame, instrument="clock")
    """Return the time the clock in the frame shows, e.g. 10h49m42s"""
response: 9h33m19s
